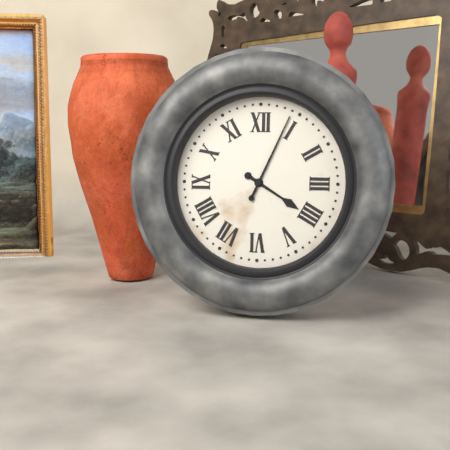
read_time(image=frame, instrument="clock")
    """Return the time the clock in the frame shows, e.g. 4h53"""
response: 4h04
